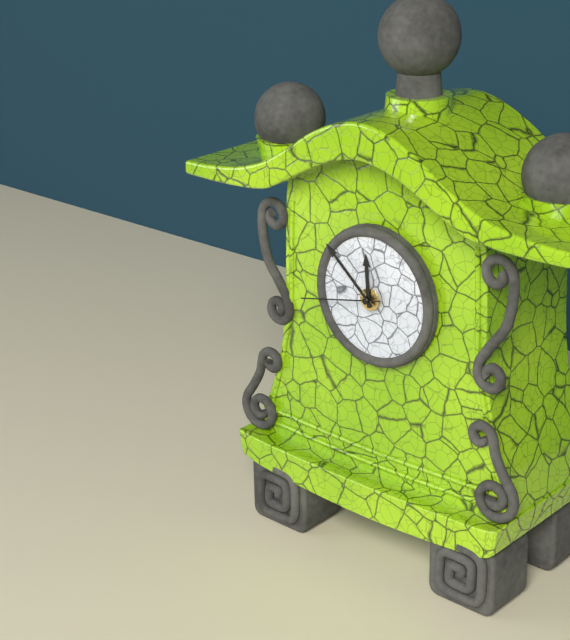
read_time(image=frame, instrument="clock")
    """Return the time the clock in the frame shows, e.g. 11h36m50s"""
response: 11h52m43s
